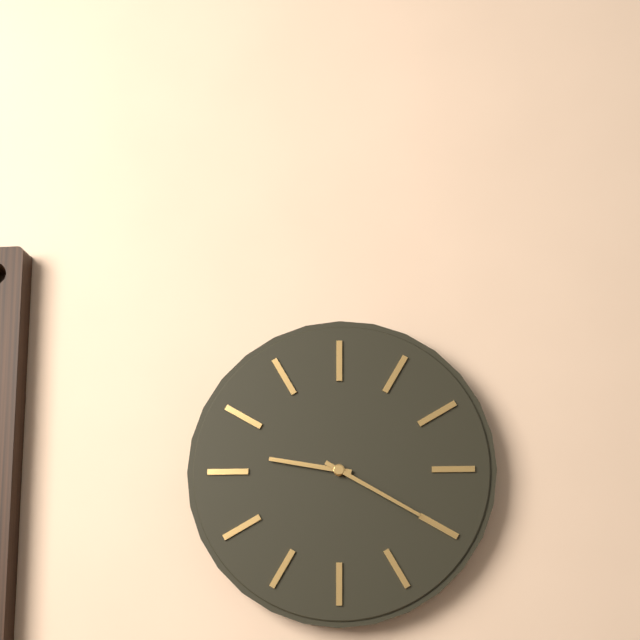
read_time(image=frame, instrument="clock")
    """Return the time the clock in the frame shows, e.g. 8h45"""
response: 9h20
